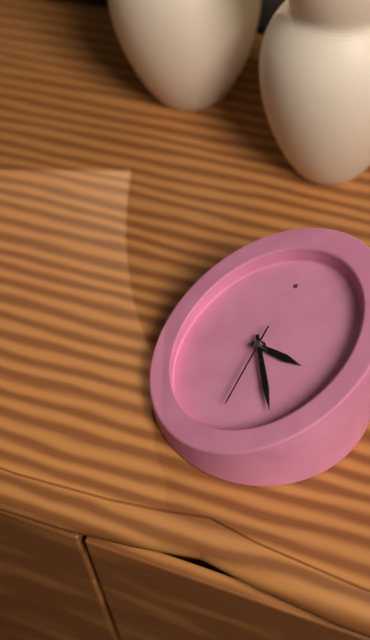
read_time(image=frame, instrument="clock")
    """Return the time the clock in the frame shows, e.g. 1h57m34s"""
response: 4h30m37s
